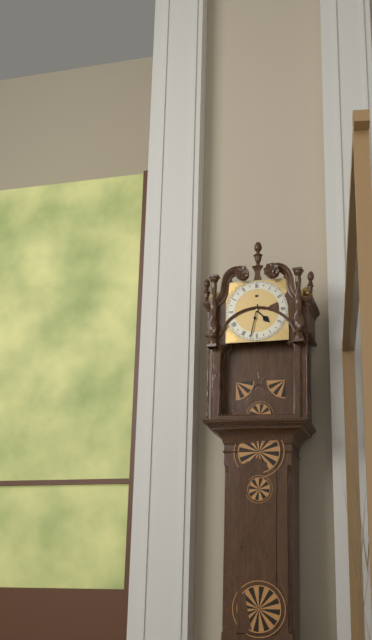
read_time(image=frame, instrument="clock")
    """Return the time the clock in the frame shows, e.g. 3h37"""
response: 4h32
